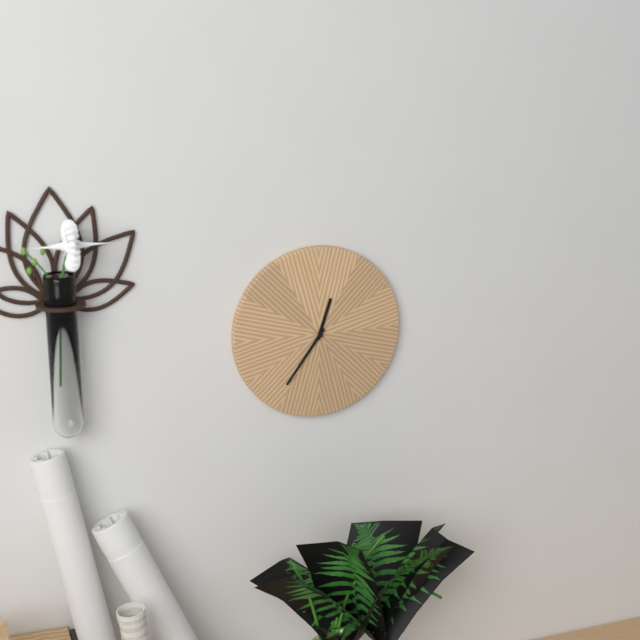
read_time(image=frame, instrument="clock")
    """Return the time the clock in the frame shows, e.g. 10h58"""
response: 12h36
